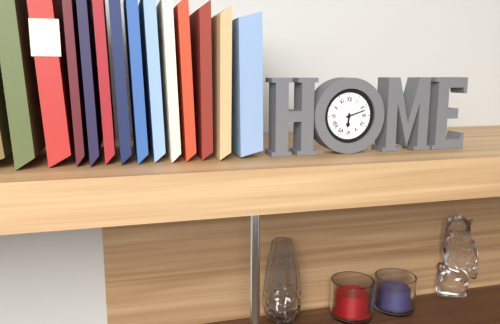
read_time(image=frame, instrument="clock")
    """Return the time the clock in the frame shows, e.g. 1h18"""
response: 6h12
